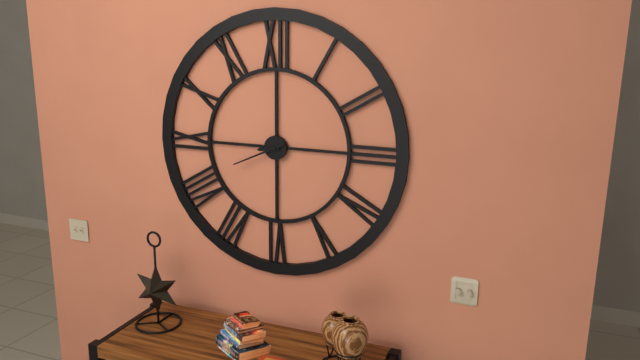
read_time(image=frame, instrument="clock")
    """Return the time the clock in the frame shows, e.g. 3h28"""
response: 8h41
